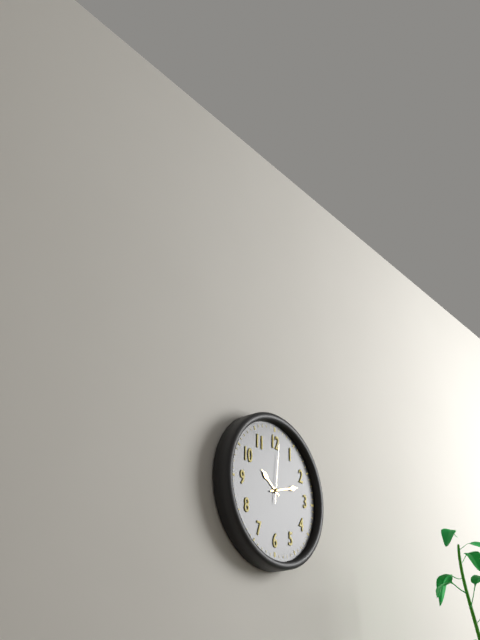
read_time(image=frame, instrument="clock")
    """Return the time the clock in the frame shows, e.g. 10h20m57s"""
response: 10h12m01s
